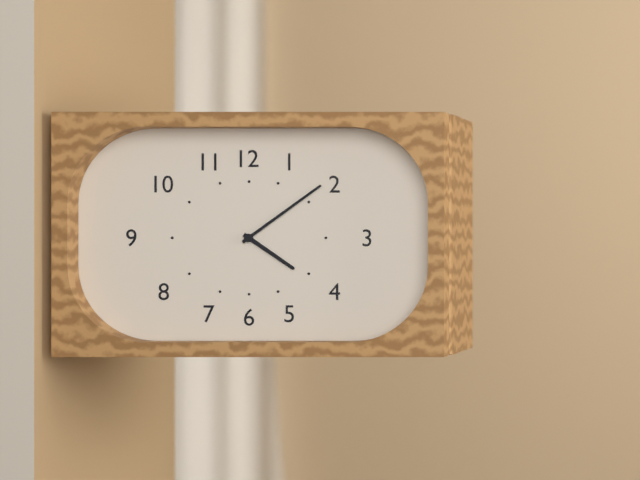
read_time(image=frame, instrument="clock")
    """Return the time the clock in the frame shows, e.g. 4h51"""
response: 4h09
